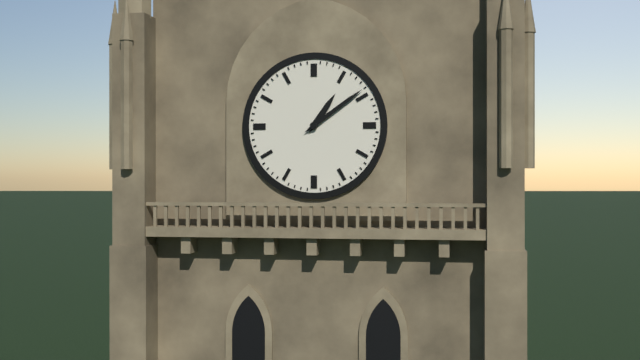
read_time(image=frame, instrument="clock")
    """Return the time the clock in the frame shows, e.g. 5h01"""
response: 1h09
